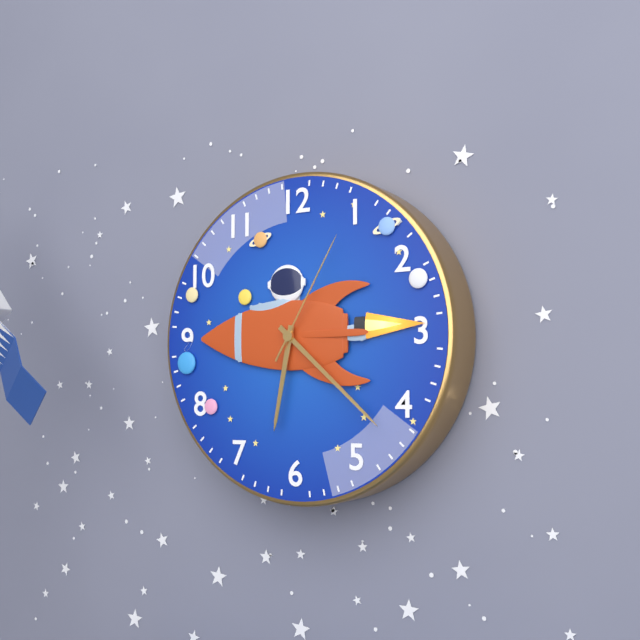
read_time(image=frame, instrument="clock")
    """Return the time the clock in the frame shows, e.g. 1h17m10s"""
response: 6h22m05s
